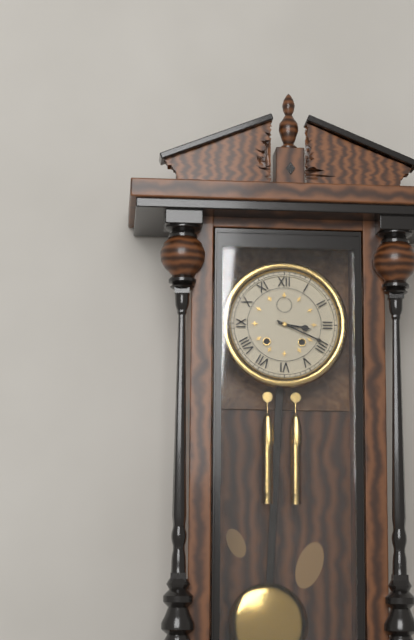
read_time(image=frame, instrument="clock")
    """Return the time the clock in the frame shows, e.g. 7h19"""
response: 3h19
